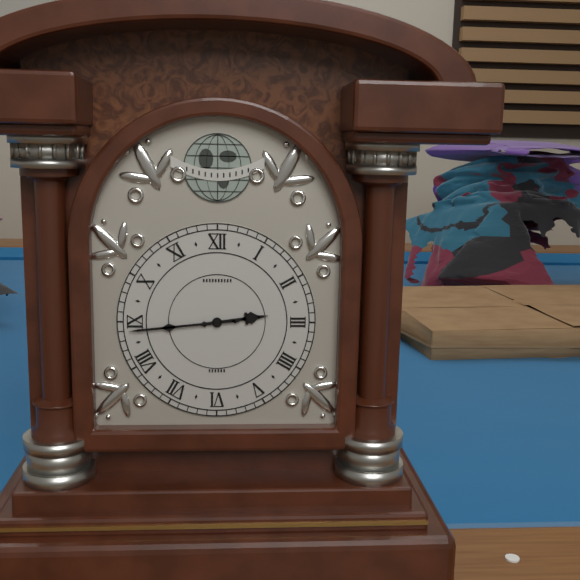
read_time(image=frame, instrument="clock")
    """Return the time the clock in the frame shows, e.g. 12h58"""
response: 2h44
